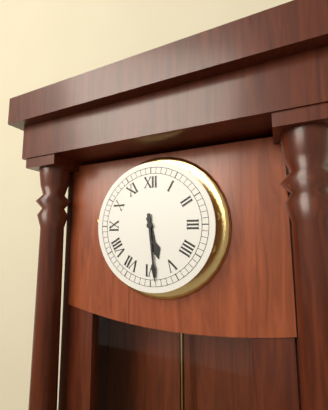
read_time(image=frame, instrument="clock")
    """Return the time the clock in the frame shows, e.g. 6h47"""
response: 5h29
